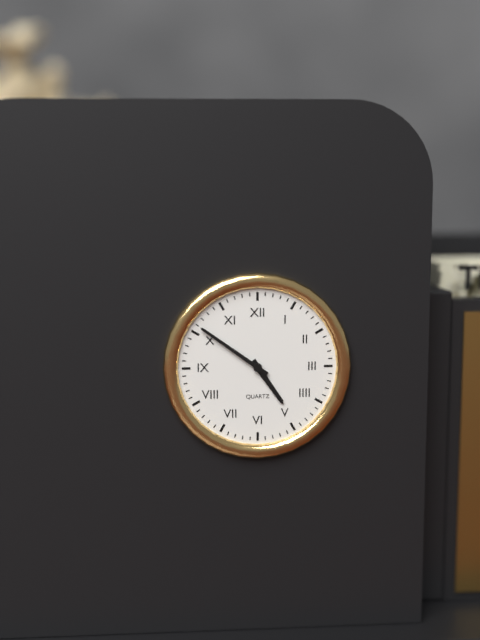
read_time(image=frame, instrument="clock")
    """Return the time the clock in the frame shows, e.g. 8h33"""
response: 4h51
